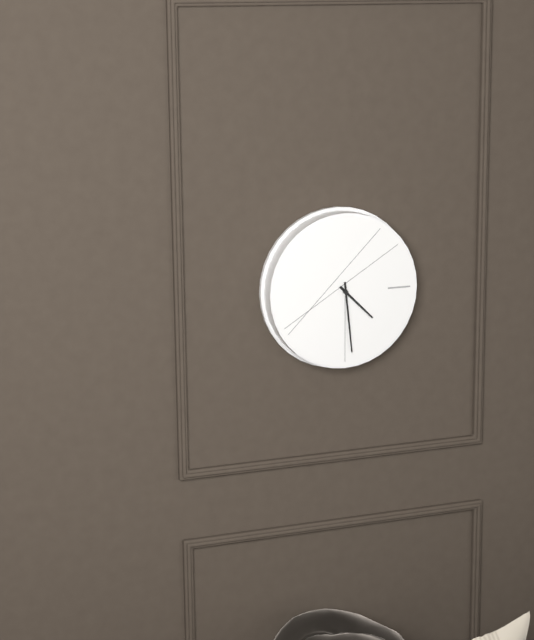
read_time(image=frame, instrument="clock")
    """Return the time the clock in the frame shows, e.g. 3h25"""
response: 4h29
